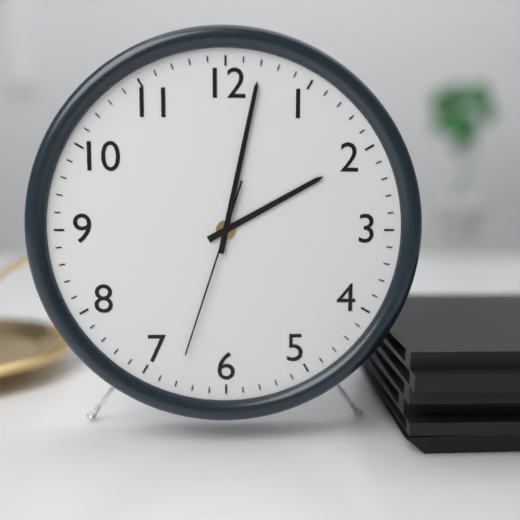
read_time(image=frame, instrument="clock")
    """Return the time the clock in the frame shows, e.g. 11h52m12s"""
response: 2h02m33s
